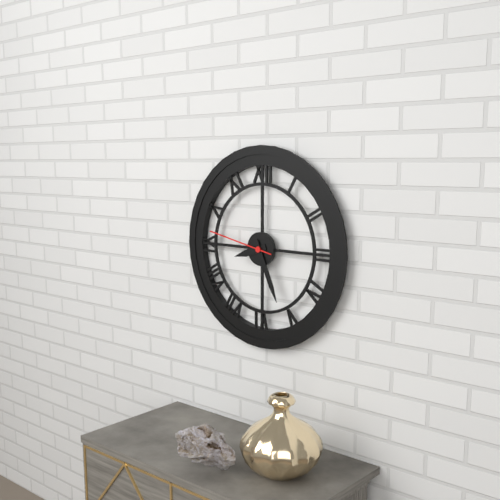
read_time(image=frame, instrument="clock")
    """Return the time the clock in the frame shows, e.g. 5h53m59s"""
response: 8h26m47s
